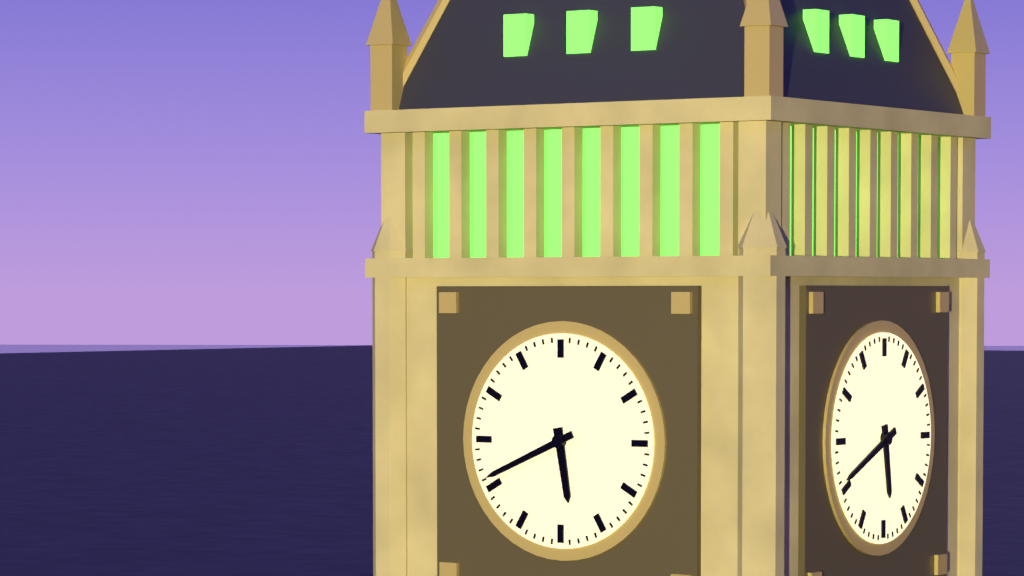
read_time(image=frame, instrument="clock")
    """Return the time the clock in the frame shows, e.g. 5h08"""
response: 5h41
